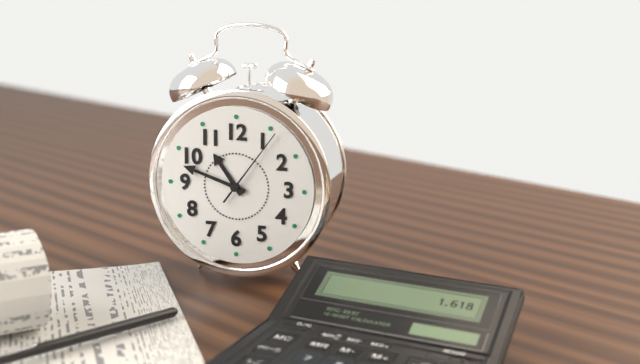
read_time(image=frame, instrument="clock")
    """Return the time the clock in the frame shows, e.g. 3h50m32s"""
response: 10h48m06s
